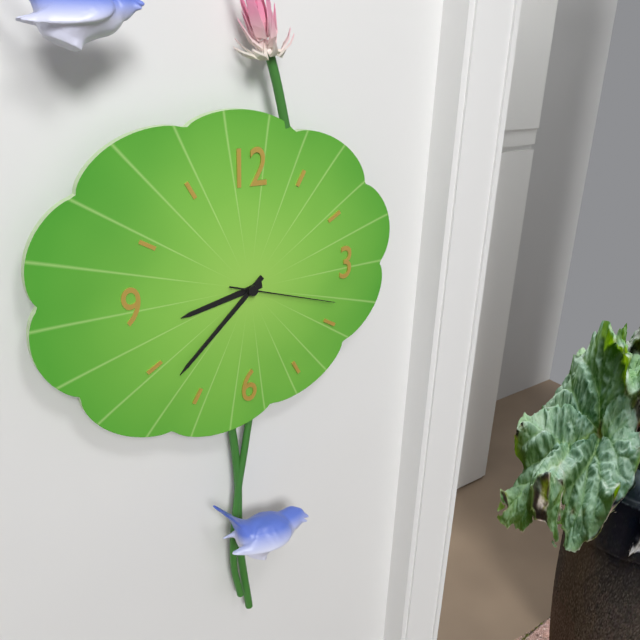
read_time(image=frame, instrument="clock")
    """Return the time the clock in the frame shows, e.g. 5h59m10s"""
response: 8h38m18s
